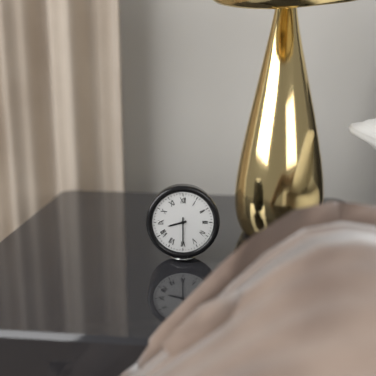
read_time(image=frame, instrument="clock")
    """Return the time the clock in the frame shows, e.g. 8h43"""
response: 8h30
